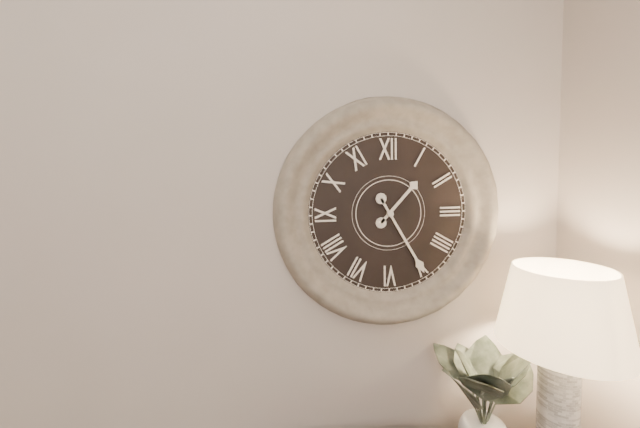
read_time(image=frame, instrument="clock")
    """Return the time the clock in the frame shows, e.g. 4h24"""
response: 1h25
